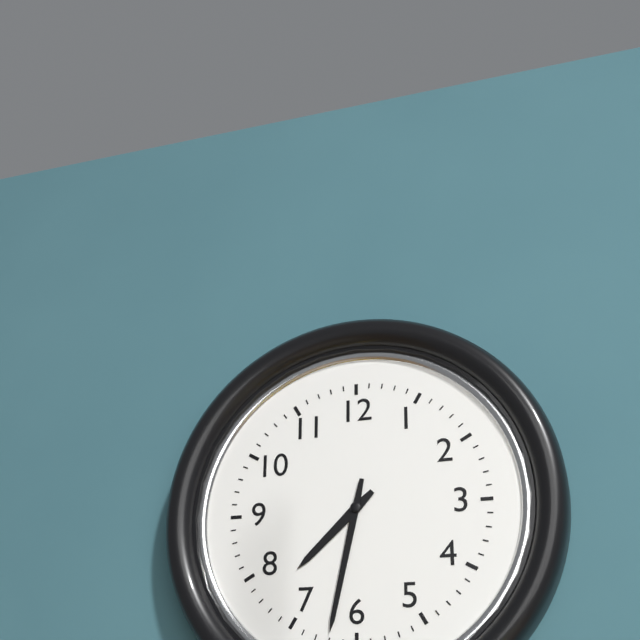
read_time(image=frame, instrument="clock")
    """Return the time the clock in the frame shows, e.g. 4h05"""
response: 7h32
